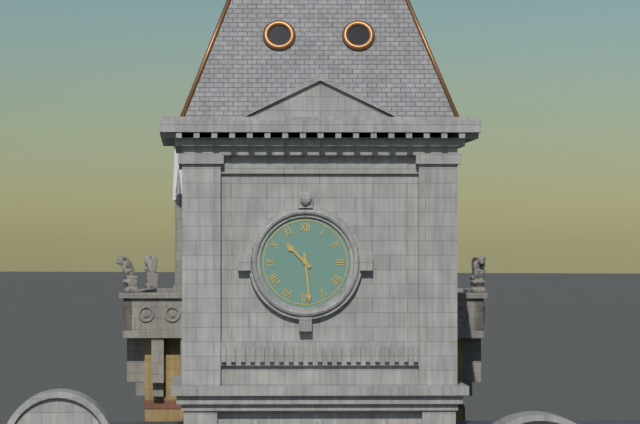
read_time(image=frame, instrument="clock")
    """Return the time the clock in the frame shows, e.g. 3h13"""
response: 10h29
